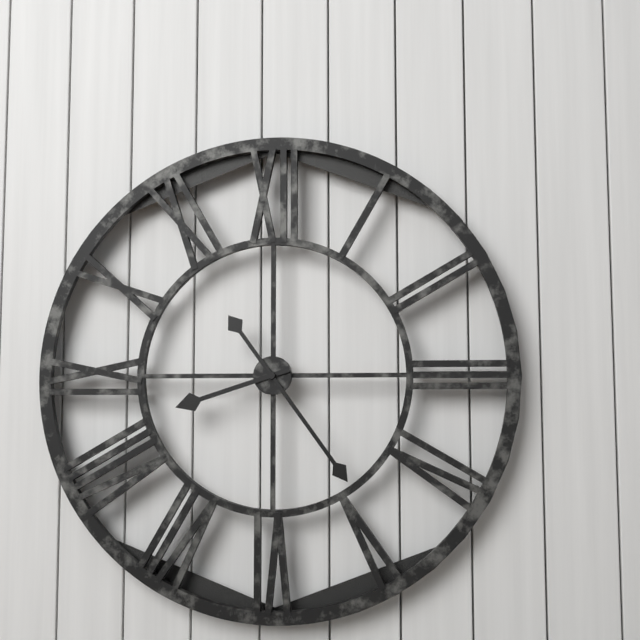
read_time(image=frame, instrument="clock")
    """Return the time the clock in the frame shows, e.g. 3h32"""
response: 8h24
